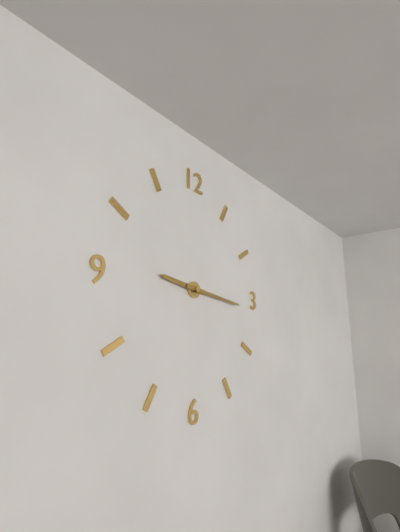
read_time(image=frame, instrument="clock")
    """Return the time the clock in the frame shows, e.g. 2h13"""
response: 9h16
